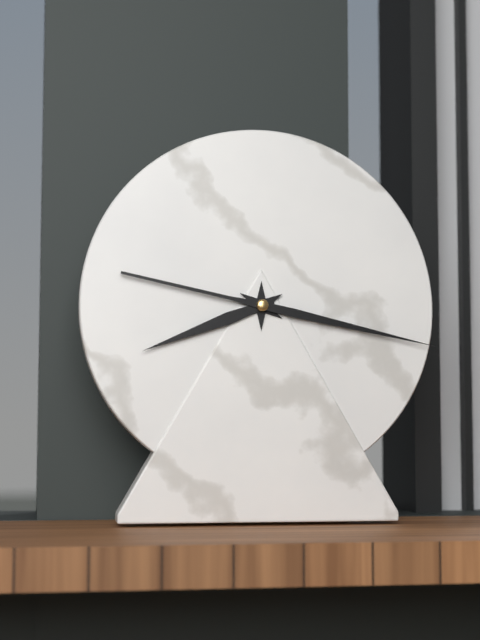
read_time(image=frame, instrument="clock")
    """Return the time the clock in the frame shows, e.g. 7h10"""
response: 8h17
